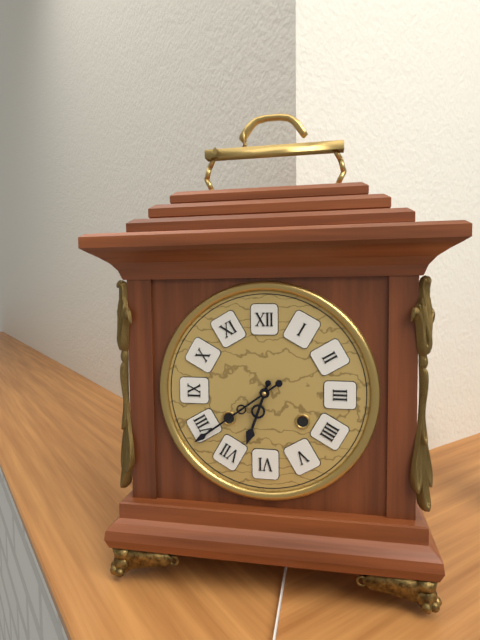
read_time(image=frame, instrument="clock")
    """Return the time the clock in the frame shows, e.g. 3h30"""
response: 6h39
